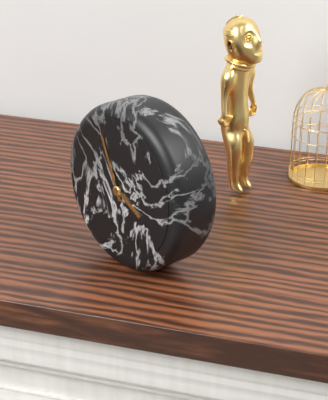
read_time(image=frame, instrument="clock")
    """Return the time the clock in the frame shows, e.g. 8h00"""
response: 3h56
